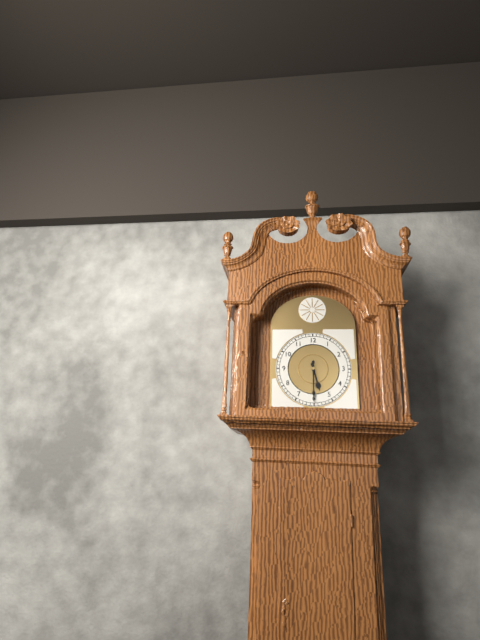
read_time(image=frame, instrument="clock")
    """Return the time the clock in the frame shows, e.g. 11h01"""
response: 5h30
